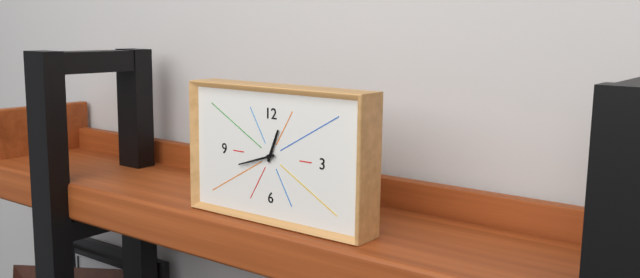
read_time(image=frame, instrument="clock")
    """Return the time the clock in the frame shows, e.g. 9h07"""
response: 12h42
